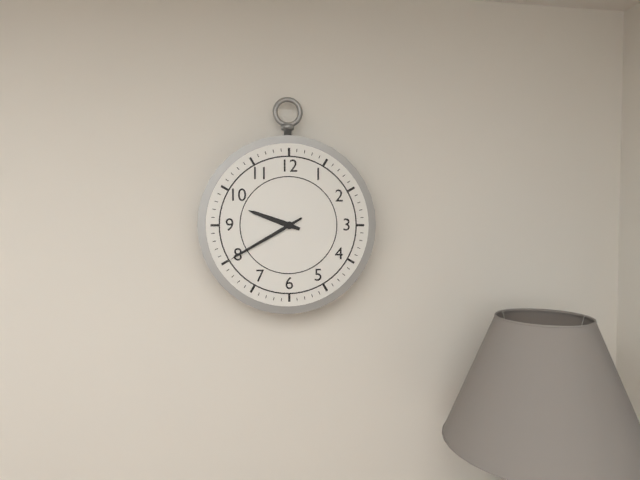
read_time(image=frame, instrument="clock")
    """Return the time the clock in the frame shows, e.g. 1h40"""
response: 9h40
